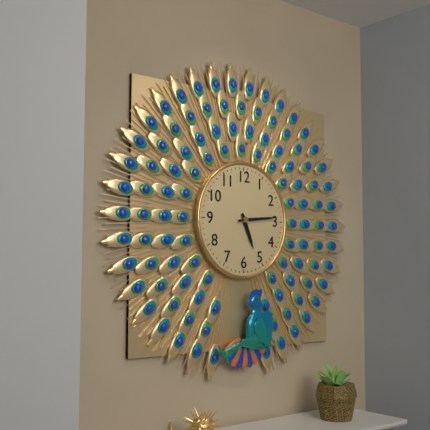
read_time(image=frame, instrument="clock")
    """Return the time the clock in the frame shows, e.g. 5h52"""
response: 5h14
